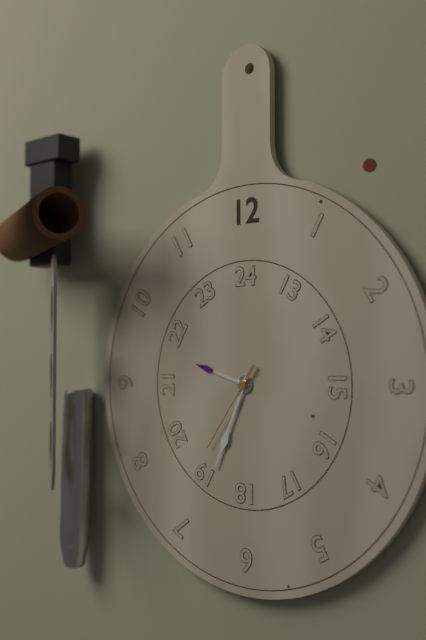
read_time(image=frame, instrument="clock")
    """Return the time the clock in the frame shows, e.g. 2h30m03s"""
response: 9h34m36s
